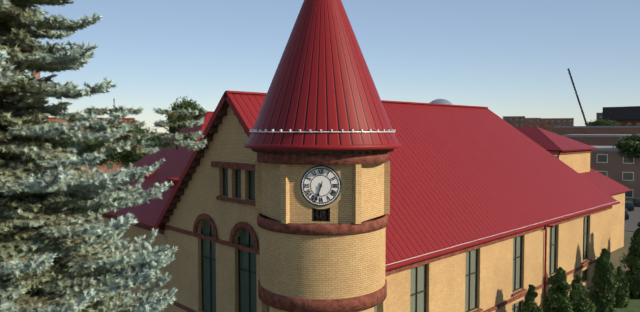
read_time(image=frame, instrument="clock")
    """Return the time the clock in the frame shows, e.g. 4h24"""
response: 6h33
